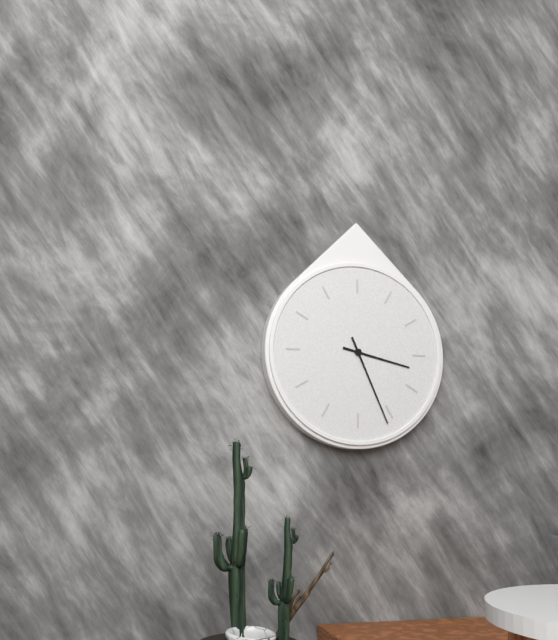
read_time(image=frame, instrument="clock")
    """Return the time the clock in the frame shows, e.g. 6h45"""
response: 3h26
